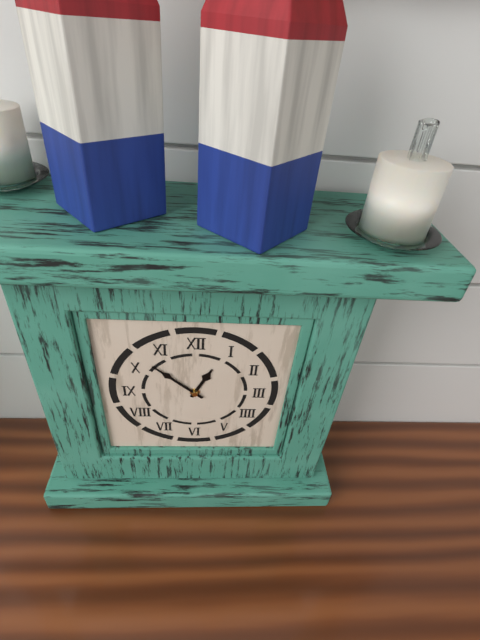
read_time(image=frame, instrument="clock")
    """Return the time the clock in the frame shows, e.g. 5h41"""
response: 12h52
